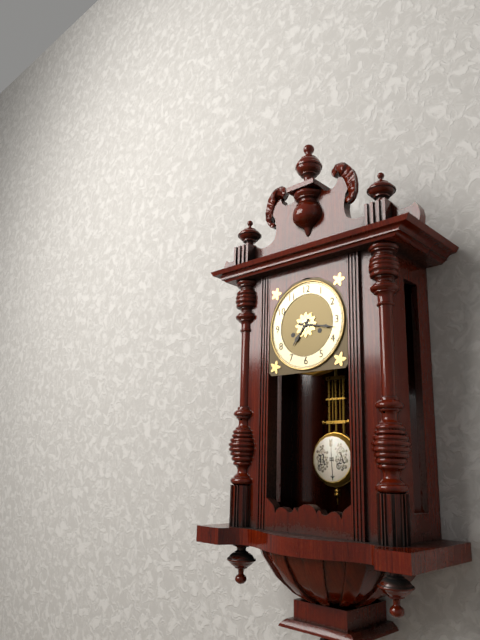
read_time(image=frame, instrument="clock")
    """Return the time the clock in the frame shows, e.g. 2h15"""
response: 7h17
